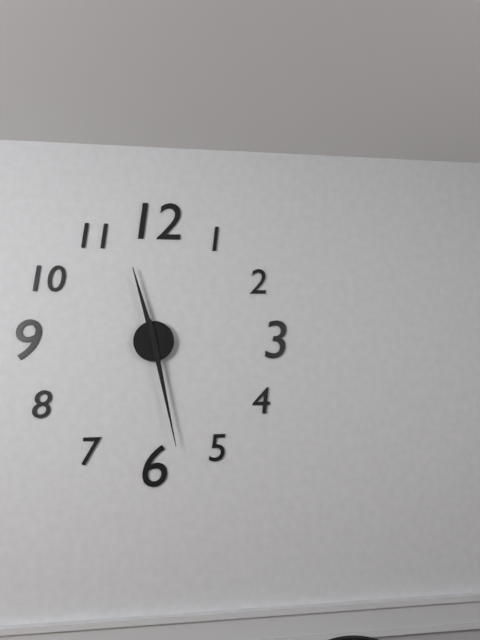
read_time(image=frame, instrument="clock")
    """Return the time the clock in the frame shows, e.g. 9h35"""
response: 11h28
